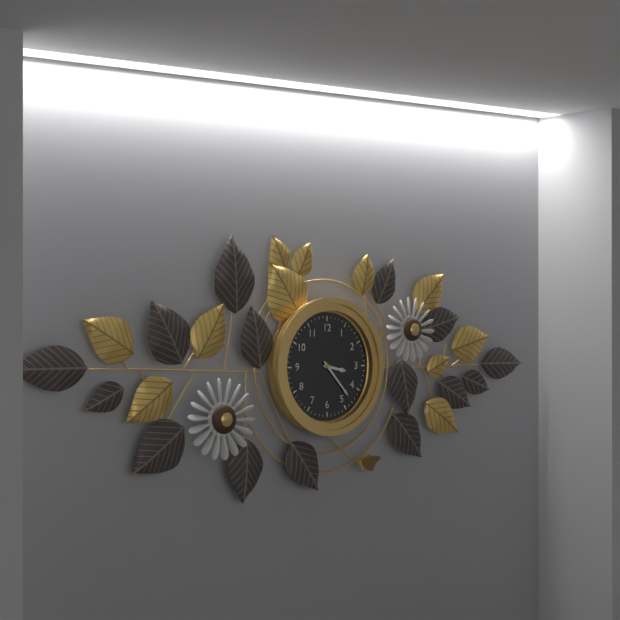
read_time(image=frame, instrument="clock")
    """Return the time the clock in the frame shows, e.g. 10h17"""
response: 3h23
